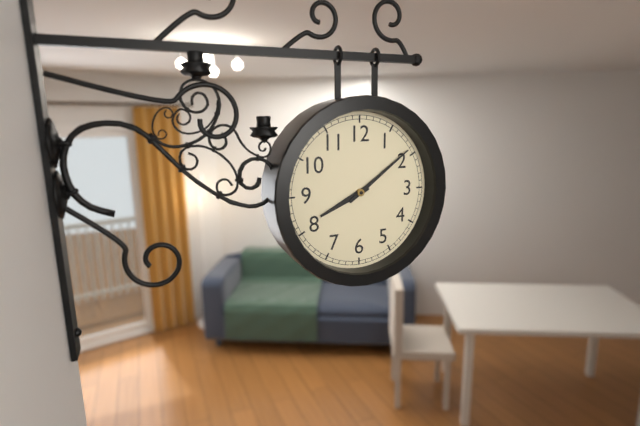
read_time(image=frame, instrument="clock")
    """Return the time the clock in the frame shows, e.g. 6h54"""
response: 8h09
